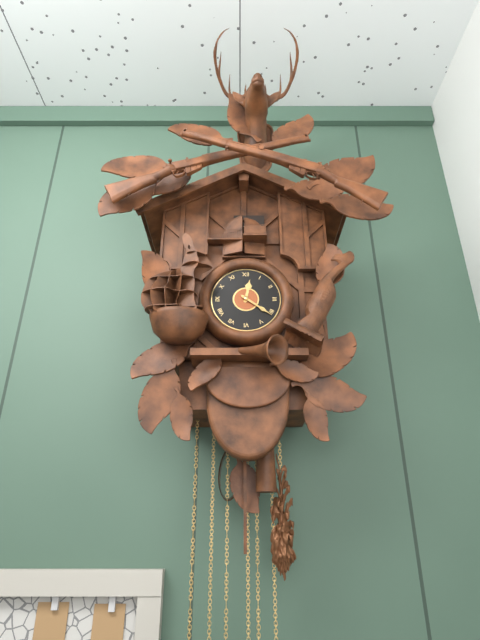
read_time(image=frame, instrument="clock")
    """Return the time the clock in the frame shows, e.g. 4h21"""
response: 12h21
